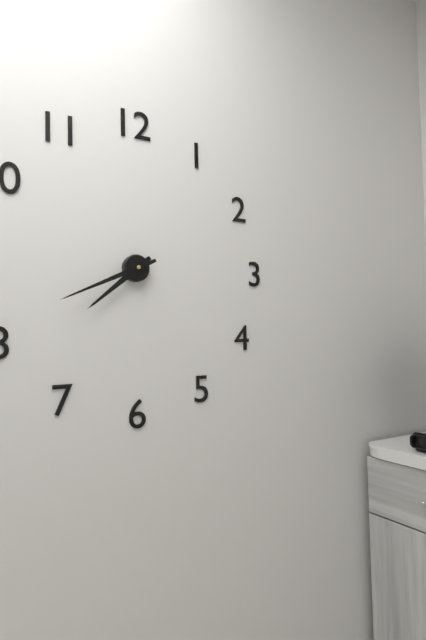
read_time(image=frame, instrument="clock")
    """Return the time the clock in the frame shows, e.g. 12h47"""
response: 7h41
